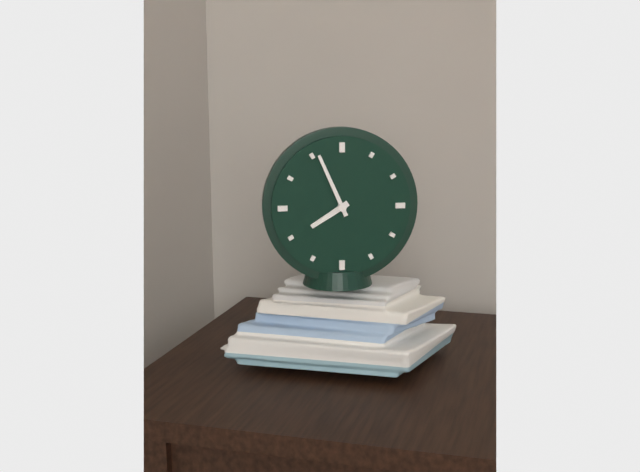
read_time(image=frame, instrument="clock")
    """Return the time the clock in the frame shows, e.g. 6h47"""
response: 7h56
